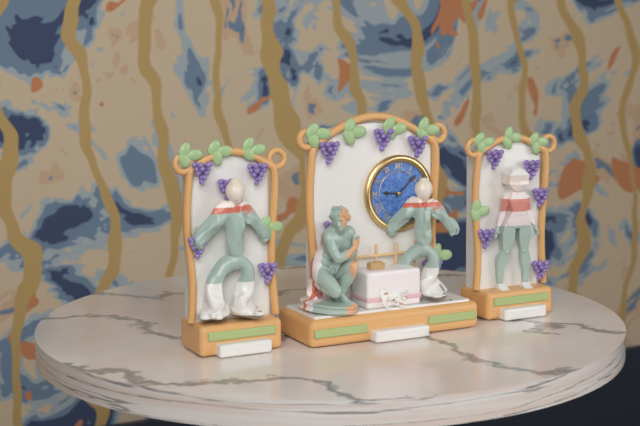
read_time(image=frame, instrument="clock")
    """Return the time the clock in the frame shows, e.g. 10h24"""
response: 9h08
